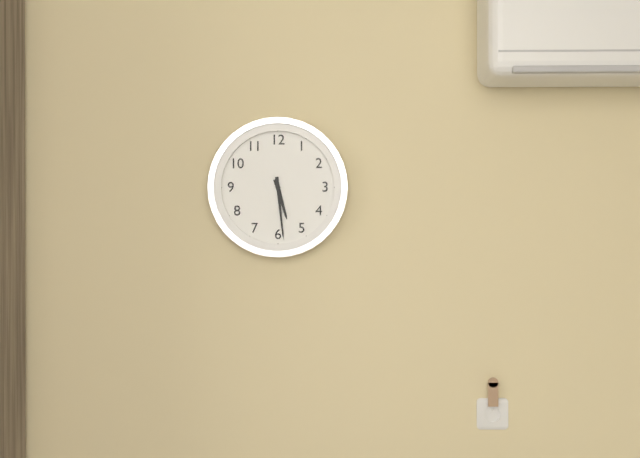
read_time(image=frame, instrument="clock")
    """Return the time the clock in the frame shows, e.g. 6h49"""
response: 5h29
